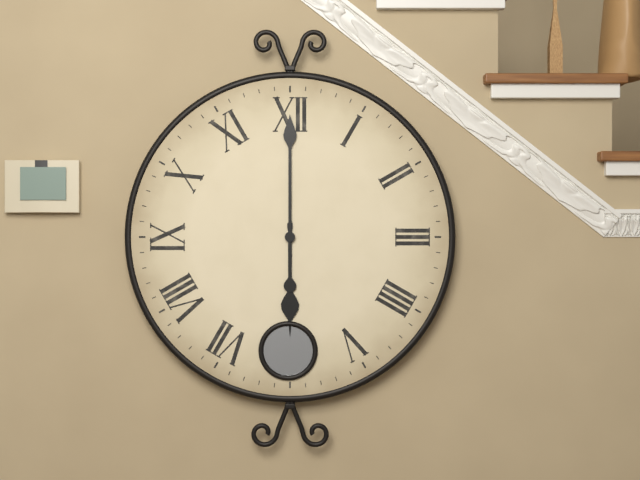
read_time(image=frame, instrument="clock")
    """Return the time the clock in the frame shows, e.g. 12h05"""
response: 6h00
